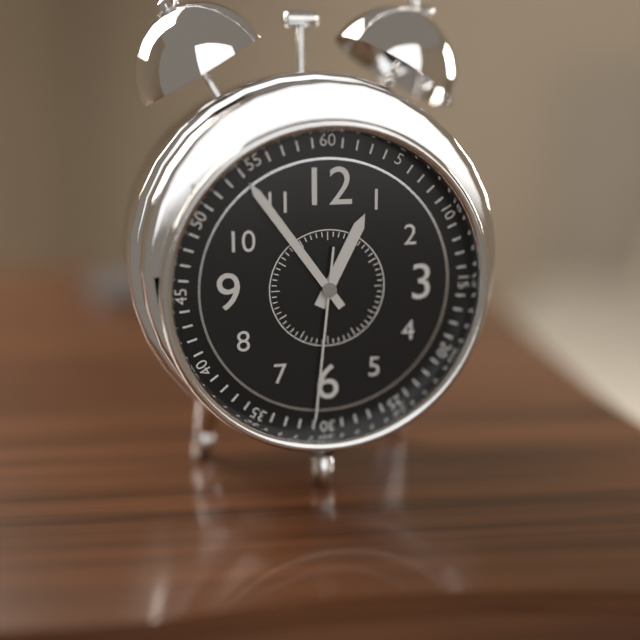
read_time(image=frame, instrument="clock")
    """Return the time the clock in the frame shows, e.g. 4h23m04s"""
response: 12h54m31s
